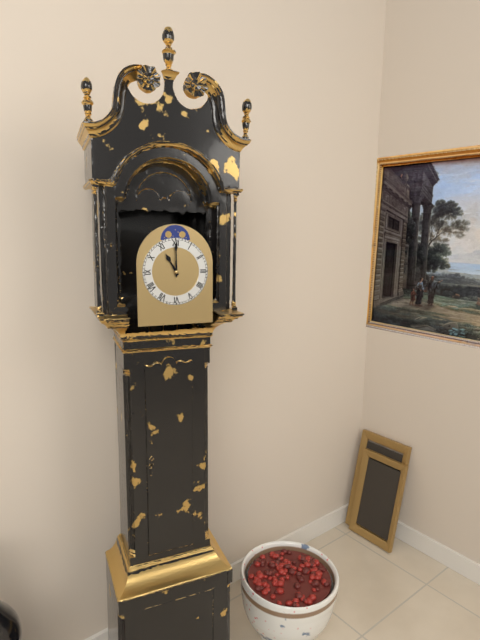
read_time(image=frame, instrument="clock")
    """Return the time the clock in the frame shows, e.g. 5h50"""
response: 11h00
